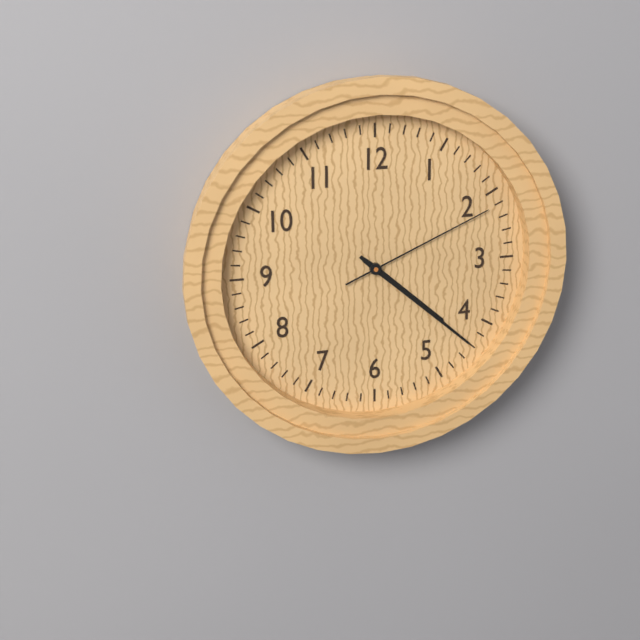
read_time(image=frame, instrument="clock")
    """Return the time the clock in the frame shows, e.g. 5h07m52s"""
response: 4h22m11s
